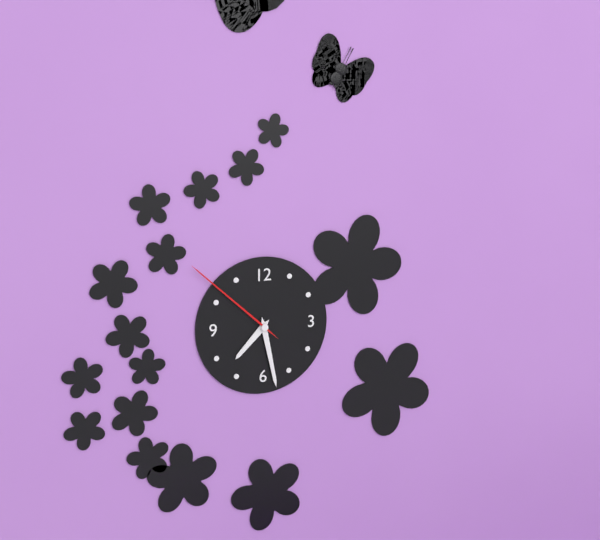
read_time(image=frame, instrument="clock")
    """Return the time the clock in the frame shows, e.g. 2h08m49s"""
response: 7h28m52s
